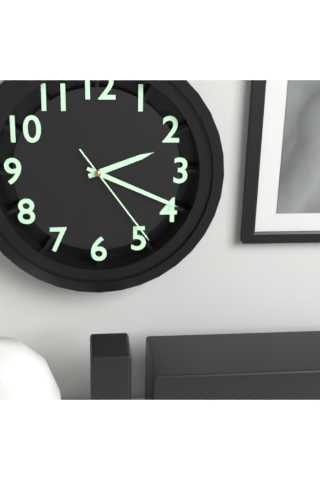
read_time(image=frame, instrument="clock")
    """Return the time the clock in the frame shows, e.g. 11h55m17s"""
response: 2h19m24s
